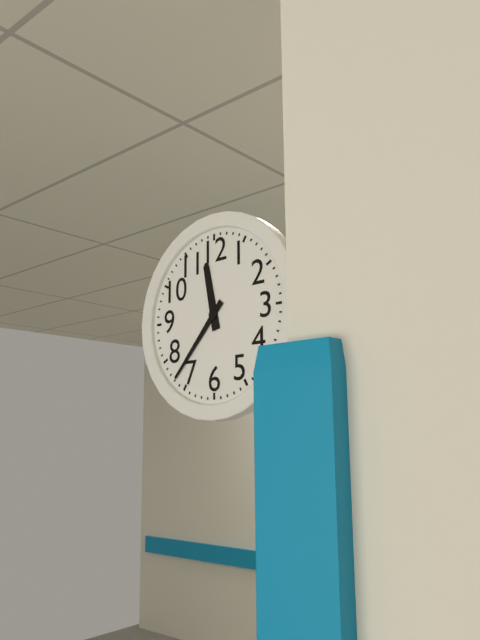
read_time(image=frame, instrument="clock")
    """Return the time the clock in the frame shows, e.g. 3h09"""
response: 11h37
